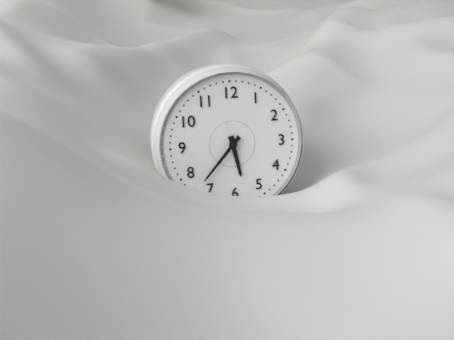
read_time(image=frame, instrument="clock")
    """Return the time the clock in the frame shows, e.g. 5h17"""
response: 5h37
